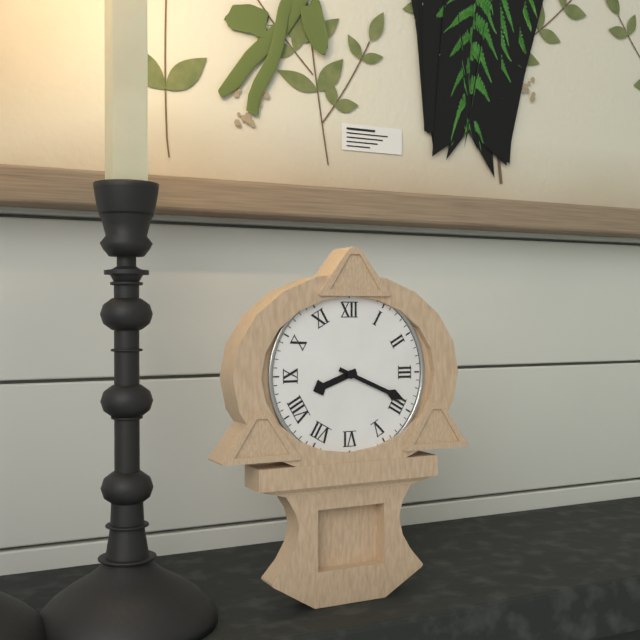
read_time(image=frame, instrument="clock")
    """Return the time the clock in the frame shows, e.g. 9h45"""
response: 8h19
